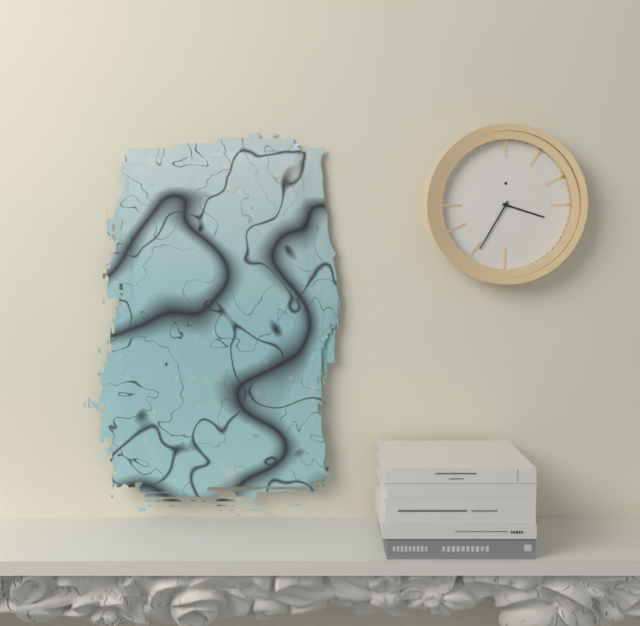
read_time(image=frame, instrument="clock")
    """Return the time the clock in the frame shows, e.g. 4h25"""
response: 3h35
